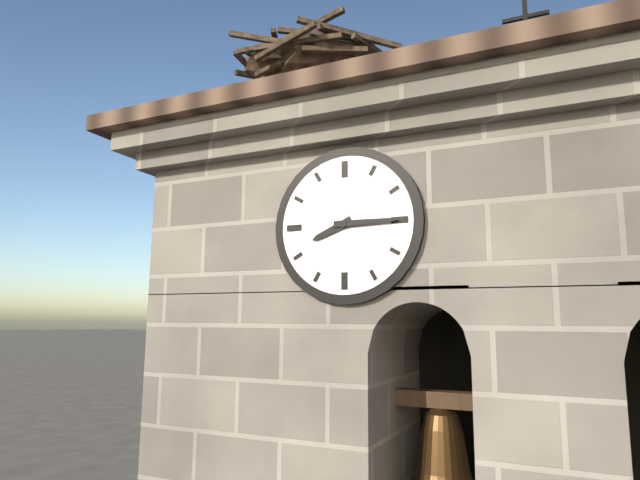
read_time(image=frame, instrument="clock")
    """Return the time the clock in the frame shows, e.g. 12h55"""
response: 8h15
